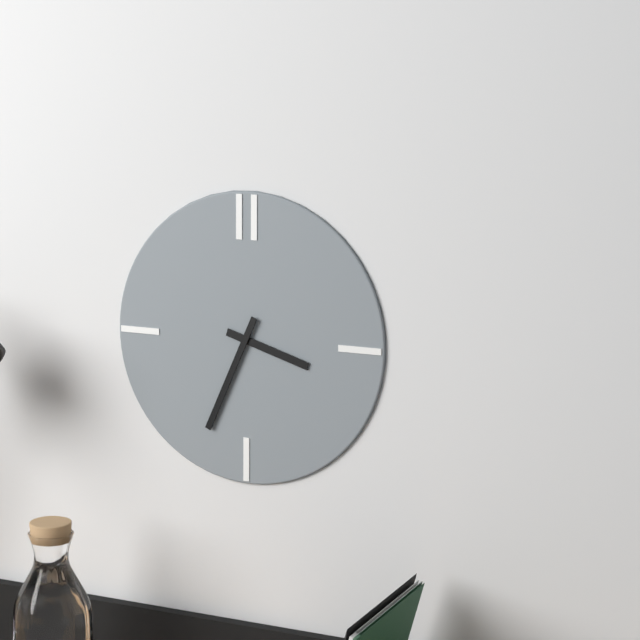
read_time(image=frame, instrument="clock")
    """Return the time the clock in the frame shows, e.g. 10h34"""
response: 3h34
